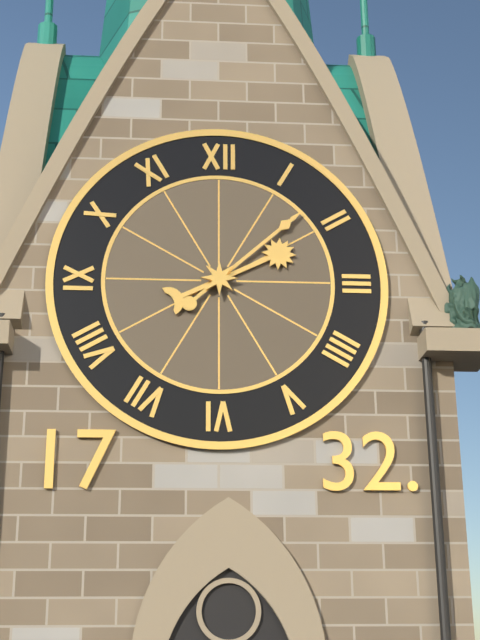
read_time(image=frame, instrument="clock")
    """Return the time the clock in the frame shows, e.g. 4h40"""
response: 2h08
